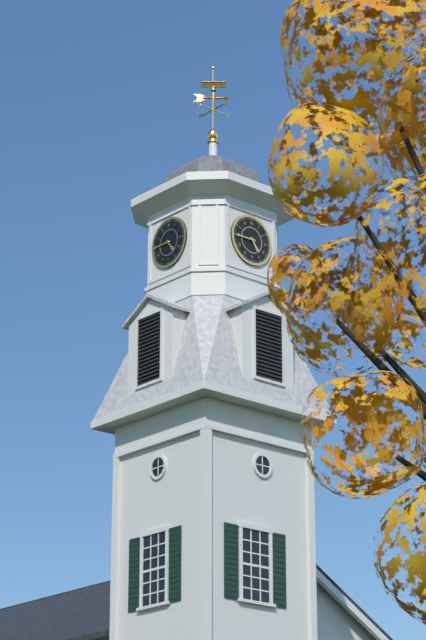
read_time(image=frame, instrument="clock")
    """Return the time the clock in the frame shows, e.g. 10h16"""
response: 4h45
